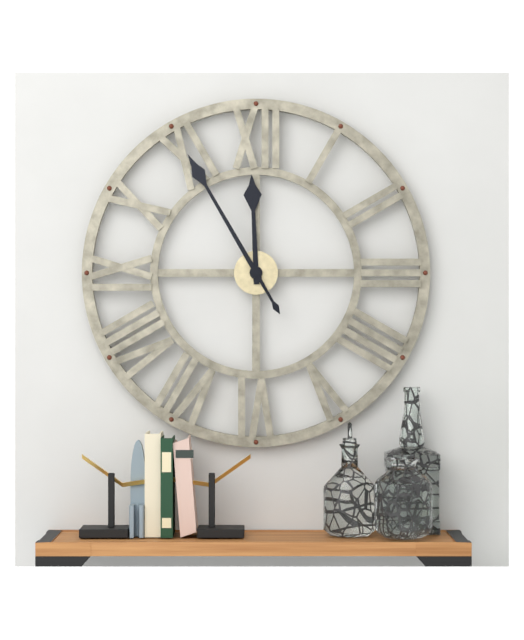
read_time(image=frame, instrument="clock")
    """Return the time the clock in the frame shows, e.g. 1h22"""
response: 11h55
